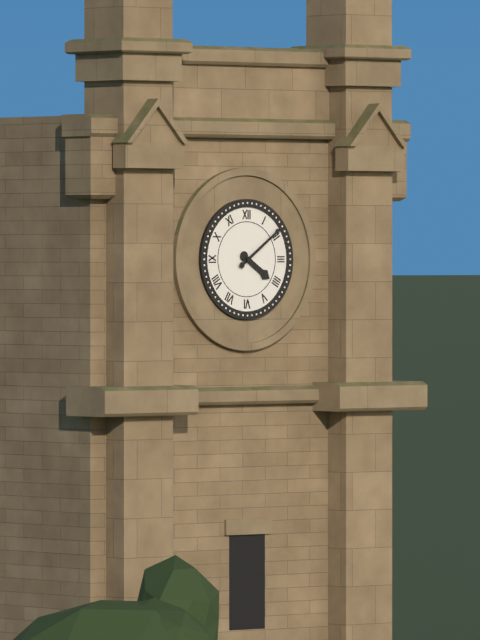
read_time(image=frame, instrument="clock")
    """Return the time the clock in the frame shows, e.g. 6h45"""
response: 4h09
